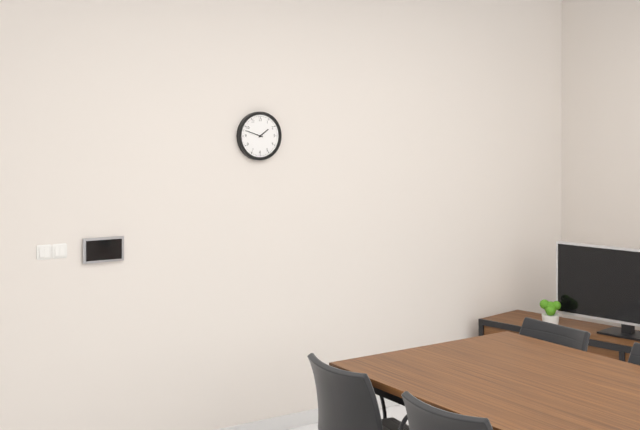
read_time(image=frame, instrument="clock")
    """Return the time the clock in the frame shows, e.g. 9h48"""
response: 1h48
